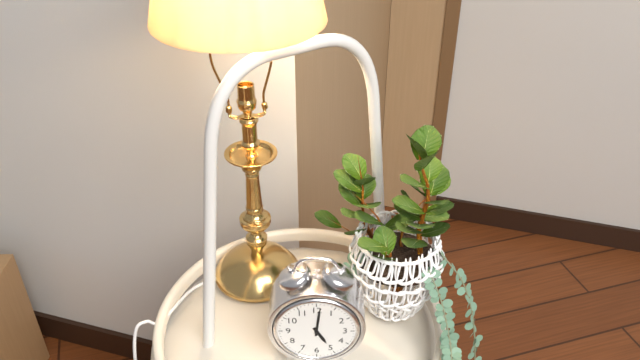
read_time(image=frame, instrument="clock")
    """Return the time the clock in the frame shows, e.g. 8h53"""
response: 5h01
